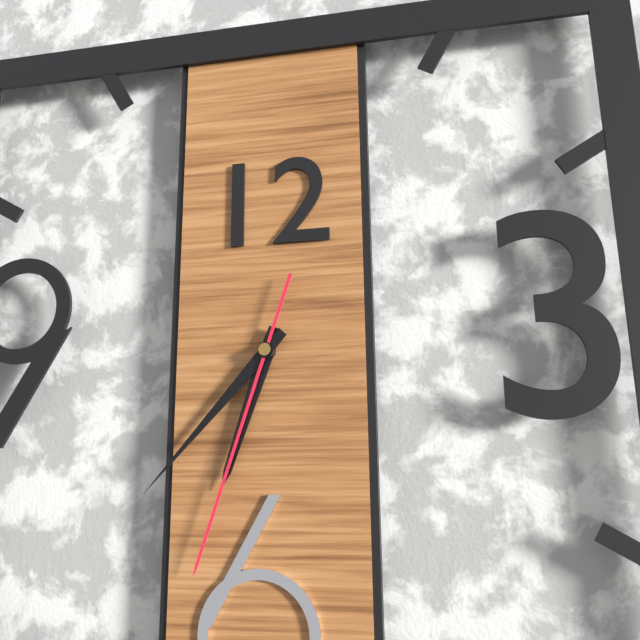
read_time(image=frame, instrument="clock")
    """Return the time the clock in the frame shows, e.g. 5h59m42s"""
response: 6h37m33s
